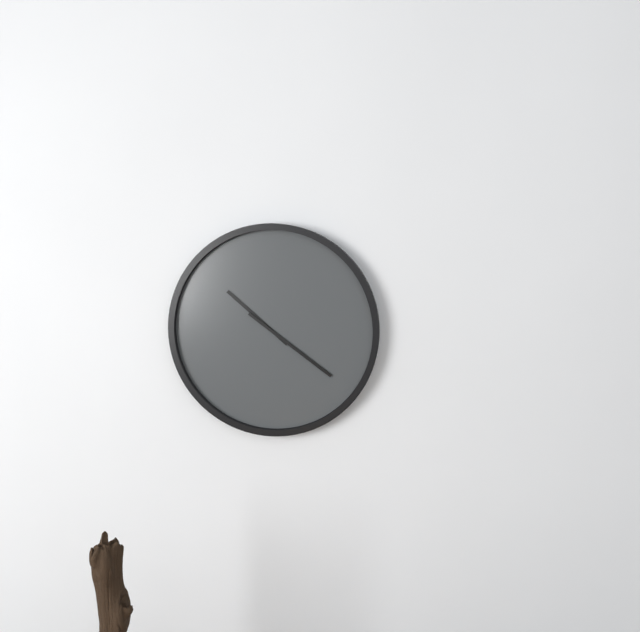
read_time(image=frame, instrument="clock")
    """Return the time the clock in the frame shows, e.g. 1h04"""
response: 10h21
